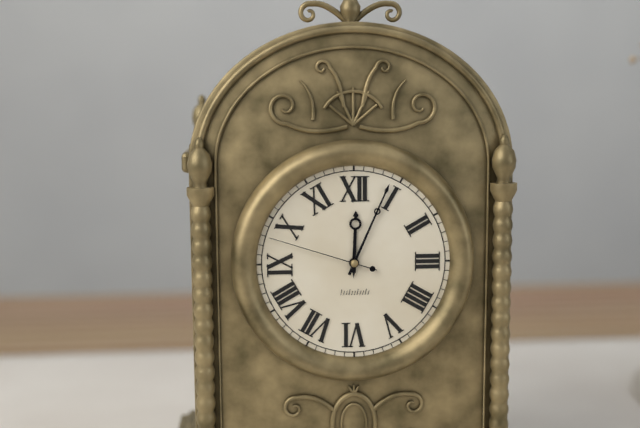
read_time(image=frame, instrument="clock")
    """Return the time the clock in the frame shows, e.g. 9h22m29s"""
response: 12h04m48s
